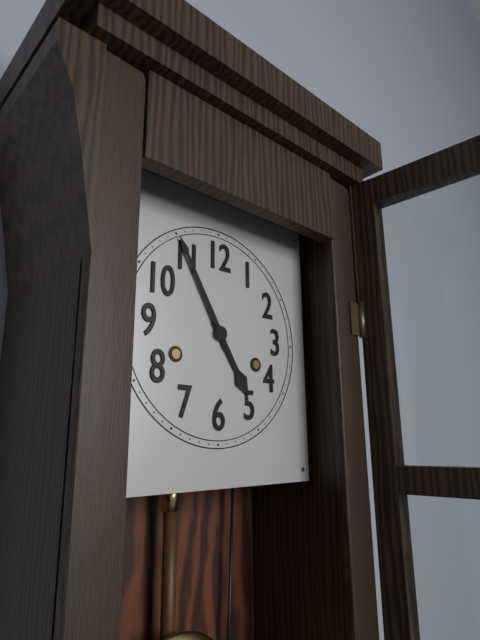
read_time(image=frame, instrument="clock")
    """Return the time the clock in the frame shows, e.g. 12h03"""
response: 4h55
